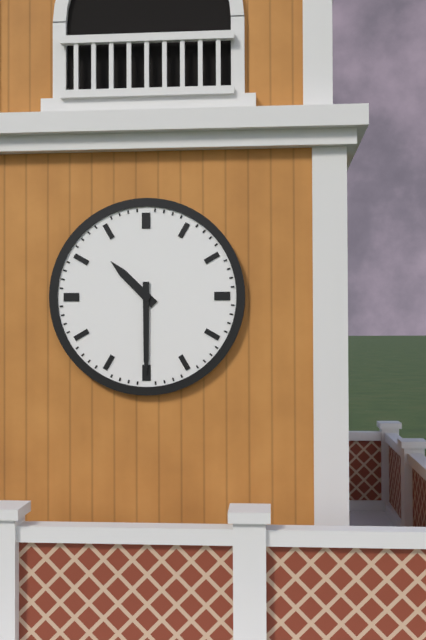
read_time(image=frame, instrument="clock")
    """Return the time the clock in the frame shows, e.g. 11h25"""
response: 10h30
